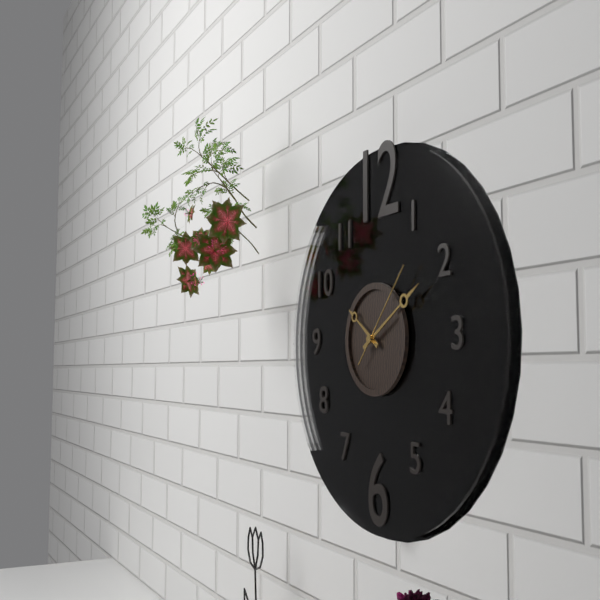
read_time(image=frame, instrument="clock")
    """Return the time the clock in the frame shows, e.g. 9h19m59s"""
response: 10h10m07s
